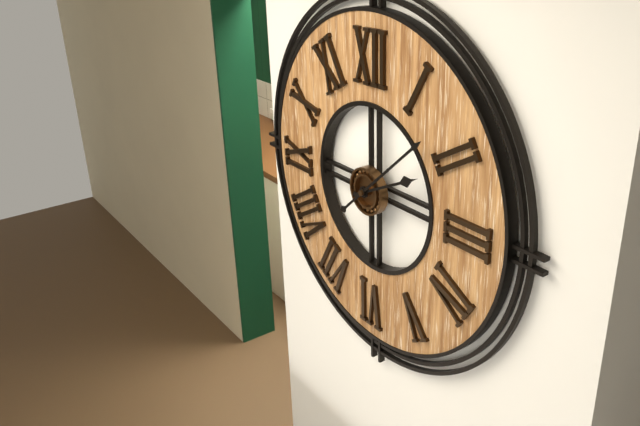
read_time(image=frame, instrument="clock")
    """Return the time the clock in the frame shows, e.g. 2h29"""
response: 2h08
